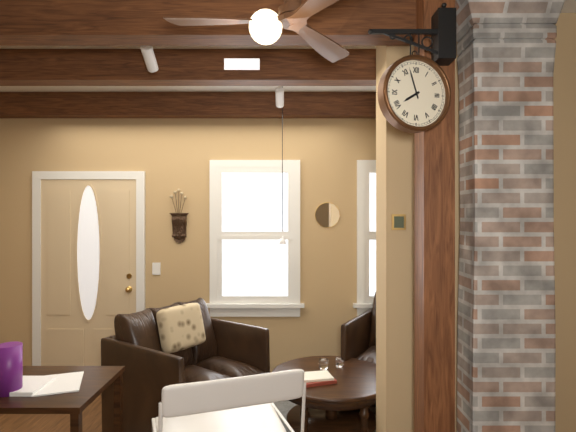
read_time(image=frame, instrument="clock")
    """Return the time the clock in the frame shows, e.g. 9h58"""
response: 7h57
